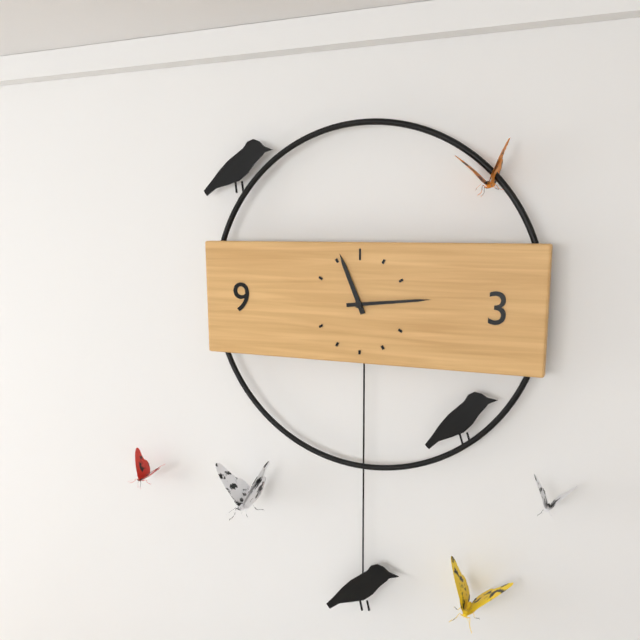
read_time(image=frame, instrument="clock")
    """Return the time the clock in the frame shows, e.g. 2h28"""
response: 11h14
